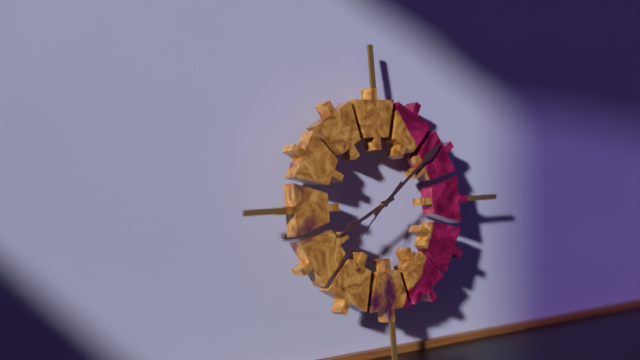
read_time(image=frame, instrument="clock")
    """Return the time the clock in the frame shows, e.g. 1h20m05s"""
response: 8h09m38s
